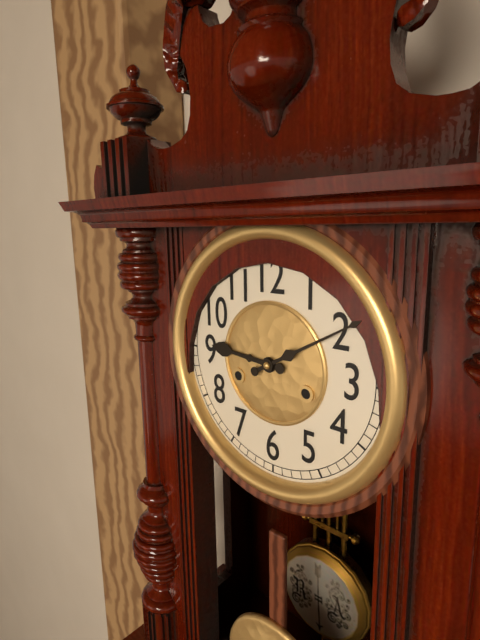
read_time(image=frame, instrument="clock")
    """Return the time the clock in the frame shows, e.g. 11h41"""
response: 9h10
